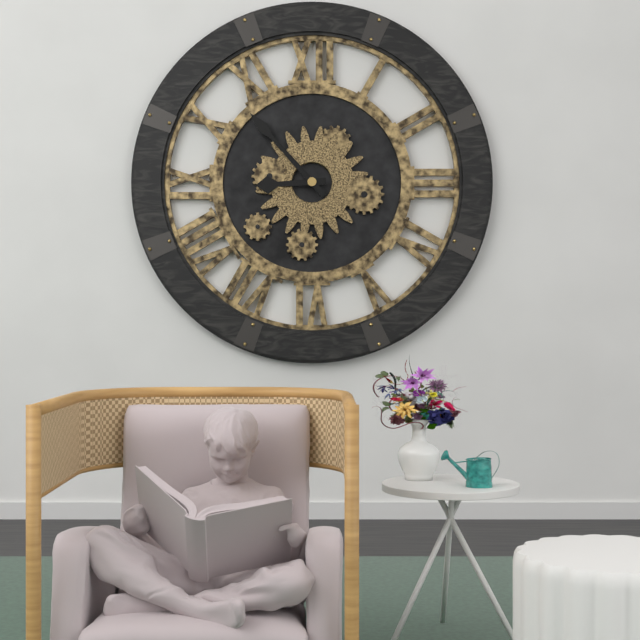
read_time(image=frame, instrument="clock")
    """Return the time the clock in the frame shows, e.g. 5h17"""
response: 8h53
